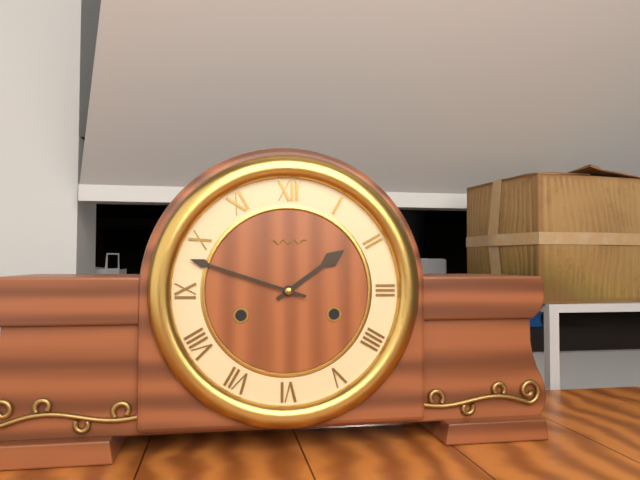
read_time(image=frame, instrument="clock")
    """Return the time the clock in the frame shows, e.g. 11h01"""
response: 1h48
